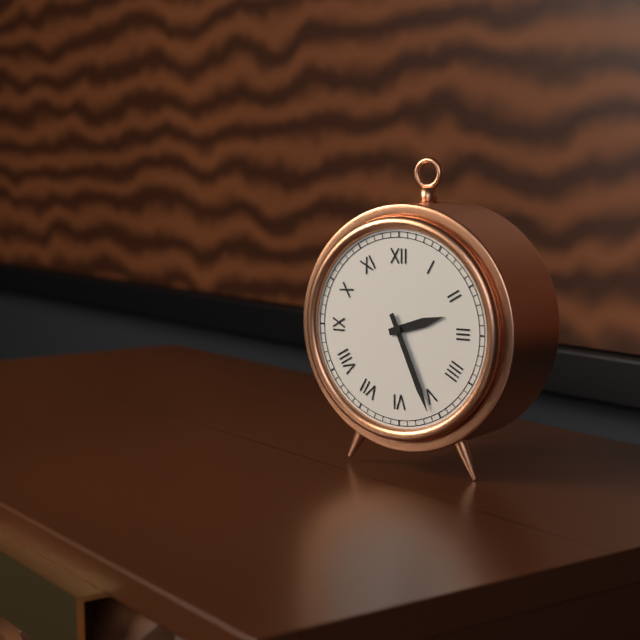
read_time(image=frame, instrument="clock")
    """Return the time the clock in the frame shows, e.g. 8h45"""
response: 2h26
